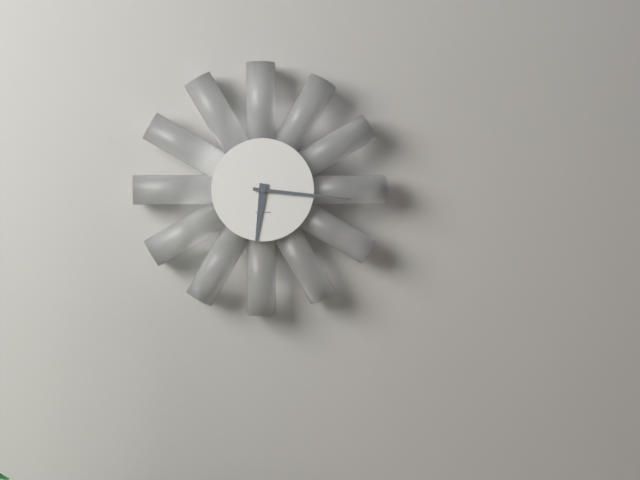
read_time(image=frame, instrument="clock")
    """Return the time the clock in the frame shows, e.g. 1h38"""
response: 6h16
